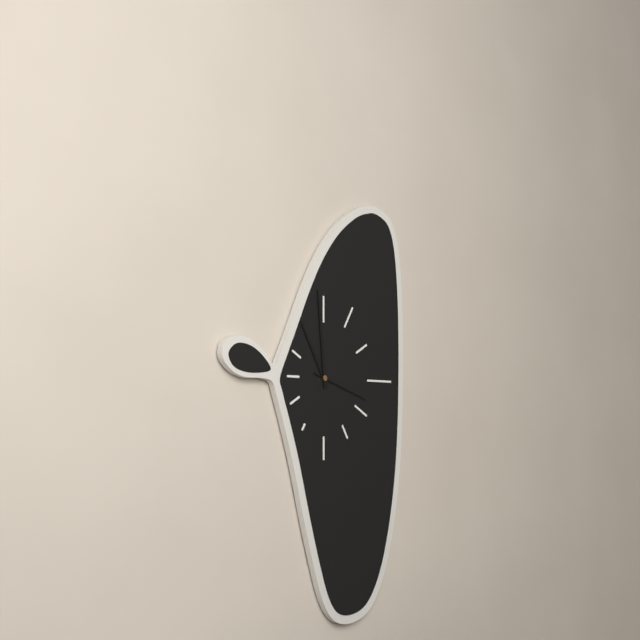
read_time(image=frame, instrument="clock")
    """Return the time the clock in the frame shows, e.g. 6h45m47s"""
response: 10h59m18s
